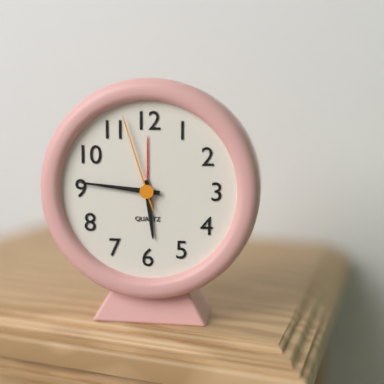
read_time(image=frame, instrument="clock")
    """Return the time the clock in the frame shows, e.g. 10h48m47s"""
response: 5h46m57s
